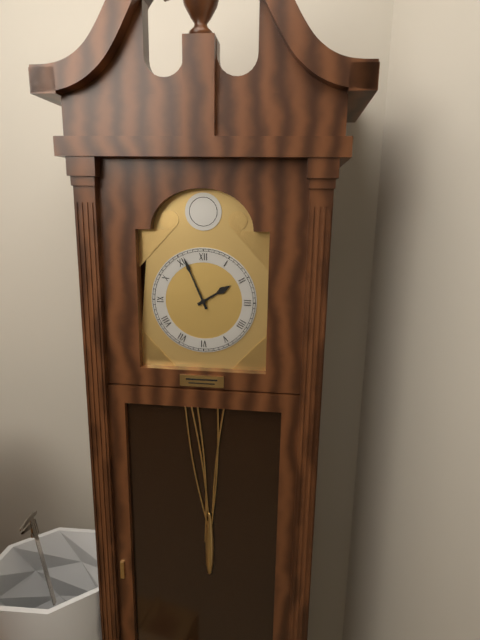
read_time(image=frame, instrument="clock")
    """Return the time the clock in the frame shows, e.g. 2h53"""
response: 1h56
